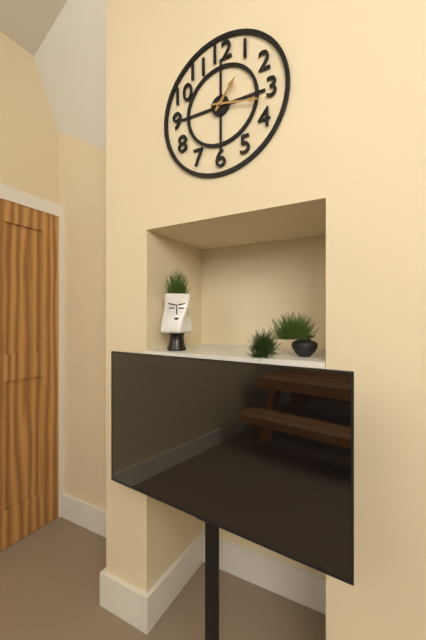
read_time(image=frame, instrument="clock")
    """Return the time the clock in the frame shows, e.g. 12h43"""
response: 1h17
